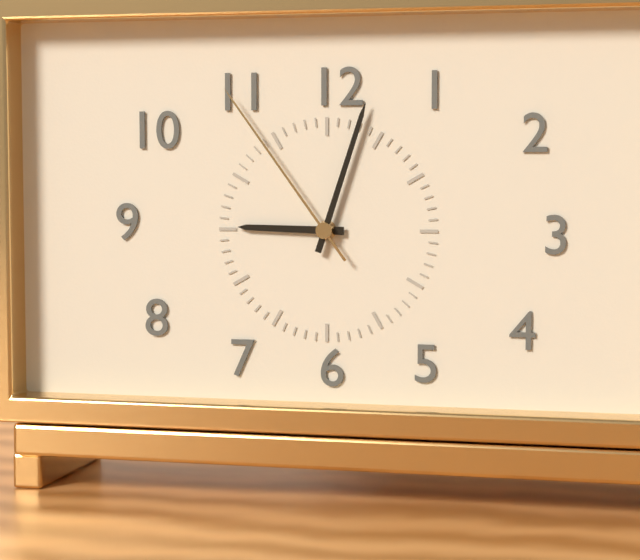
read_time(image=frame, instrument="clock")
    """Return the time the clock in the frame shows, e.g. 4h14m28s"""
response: 9h03m54s
